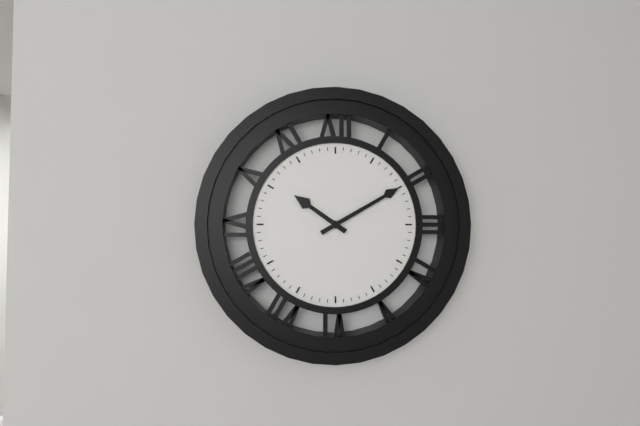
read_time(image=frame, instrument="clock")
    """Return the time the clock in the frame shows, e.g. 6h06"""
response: 10h10
